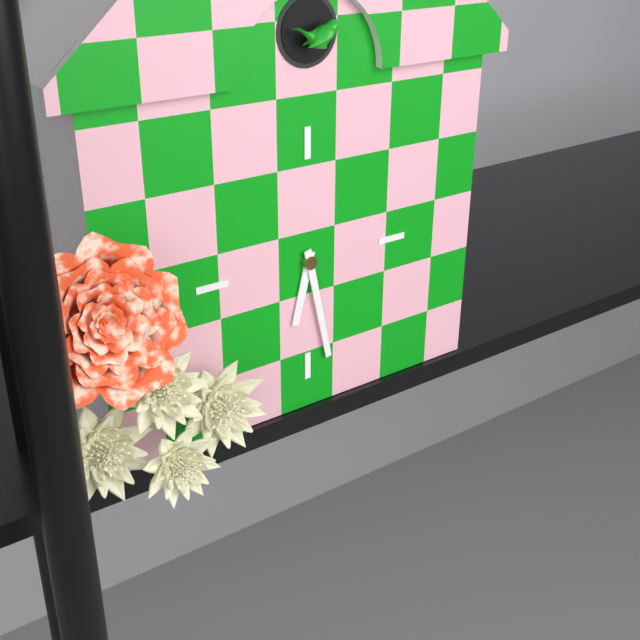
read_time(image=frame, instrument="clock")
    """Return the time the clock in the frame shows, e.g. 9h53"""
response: 6h28
